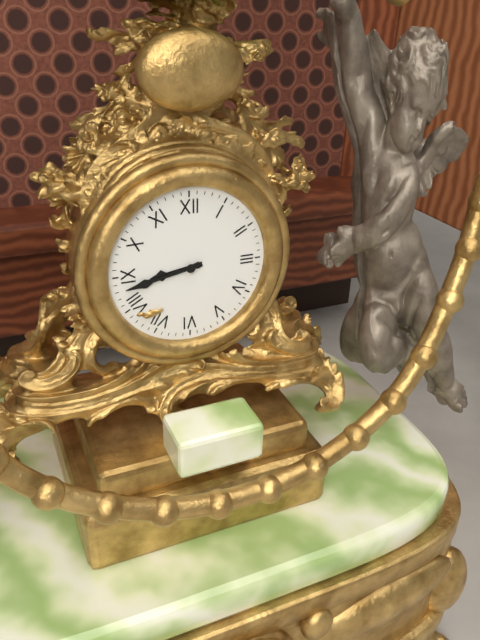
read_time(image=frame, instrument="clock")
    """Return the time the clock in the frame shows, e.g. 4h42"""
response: 8h43
